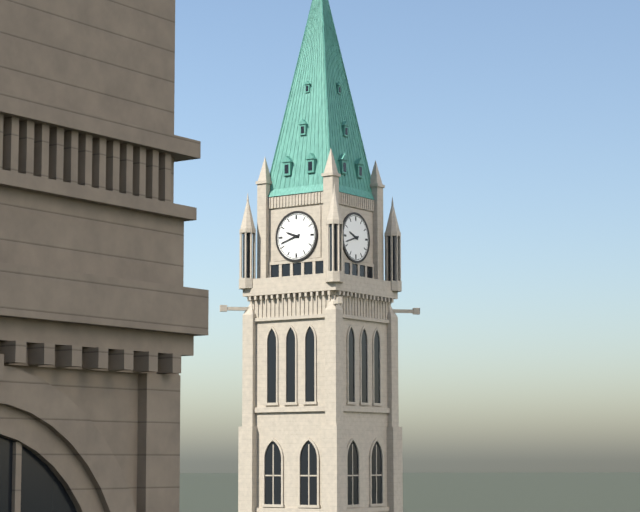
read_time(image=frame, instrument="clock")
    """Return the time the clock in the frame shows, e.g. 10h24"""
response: 9h42
